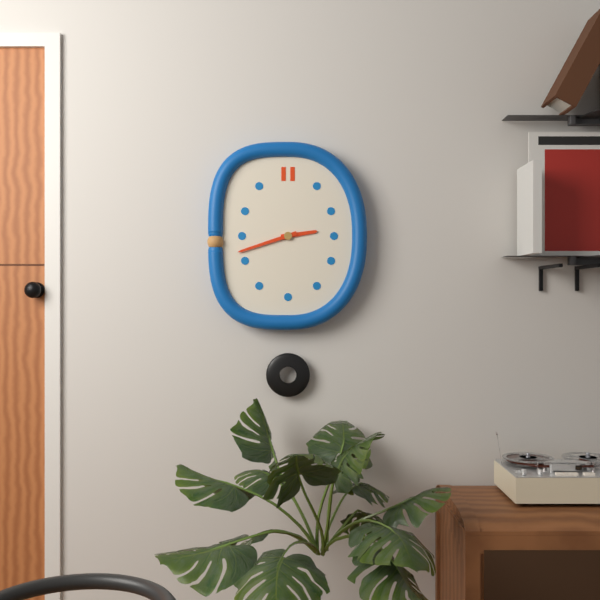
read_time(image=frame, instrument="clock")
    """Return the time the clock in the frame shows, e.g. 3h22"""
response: 2h42
